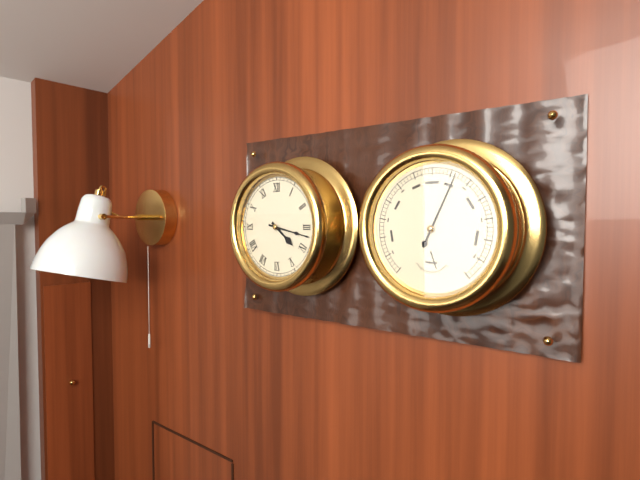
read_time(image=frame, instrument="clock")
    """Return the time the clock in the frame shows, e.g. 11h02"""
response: 4h17
